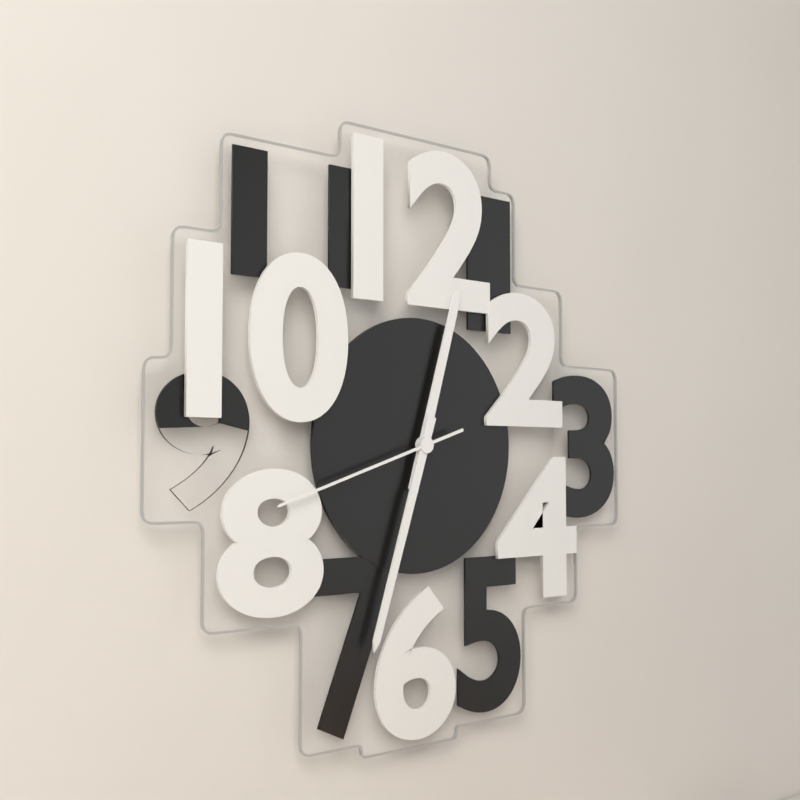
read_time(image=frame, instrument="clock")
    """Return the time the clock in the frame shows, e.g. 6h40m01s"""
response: 12h33m42s
